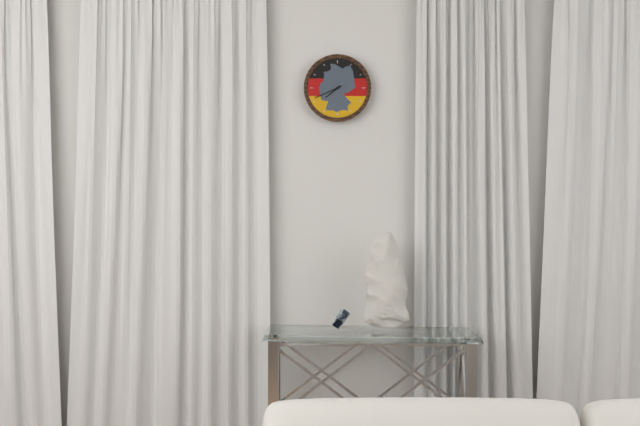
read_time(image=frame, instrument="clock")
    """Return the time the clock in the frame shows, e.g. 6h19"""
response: 7h41
